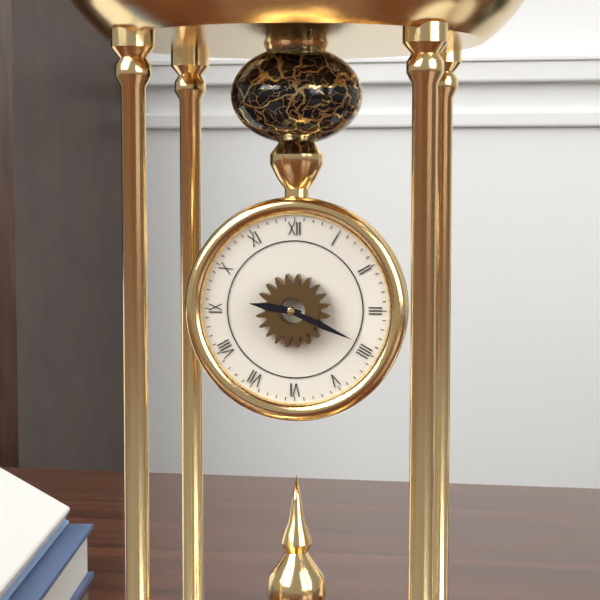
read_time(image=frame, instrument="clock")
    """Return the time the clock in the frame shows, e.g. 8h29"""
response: 9h19
